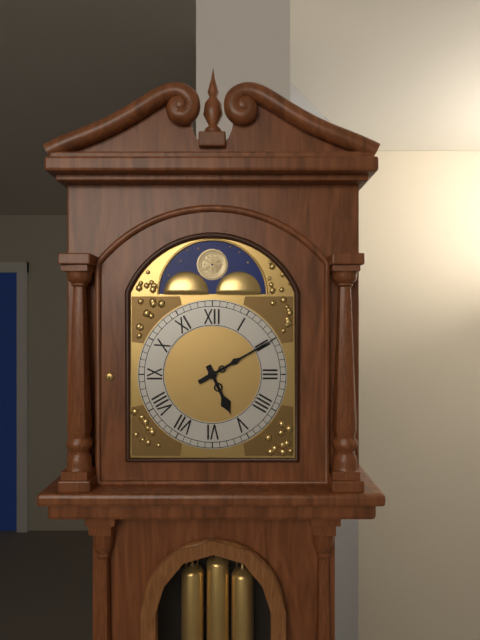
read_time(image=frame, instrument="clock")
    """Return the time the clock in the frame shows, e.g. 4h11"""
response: 5h10
